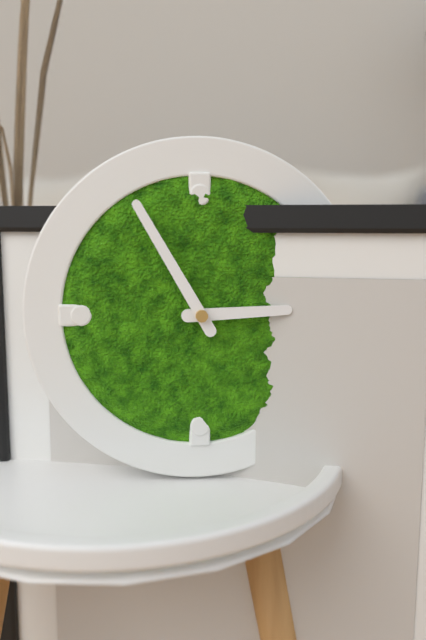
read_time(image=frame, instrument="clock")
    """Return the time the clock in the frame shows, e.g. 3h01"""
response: 2h55
